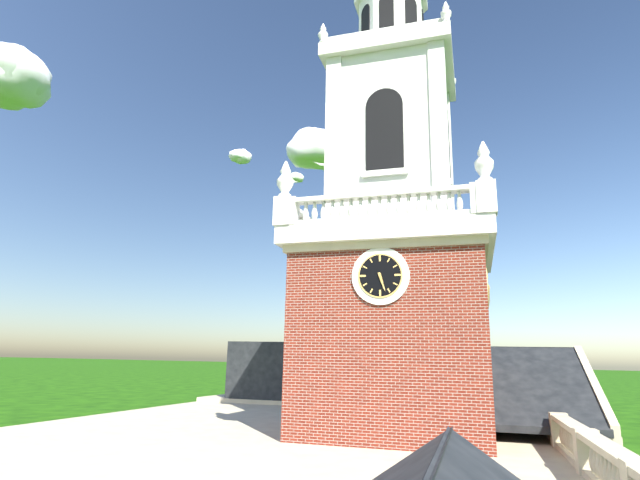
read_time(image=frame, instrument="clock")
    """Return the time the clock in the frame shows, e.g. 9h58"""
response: 5h27
